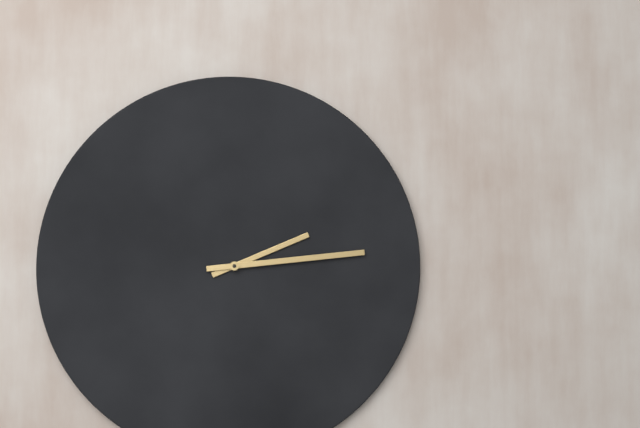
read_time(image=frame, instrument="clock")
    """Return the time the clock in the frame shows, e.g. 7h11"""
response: 2h14
